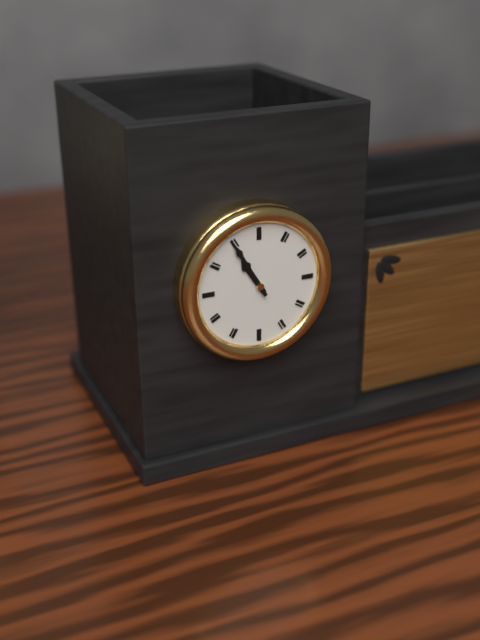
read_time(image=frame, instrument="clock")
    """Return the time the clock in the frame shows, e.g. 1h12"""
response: 10h55
